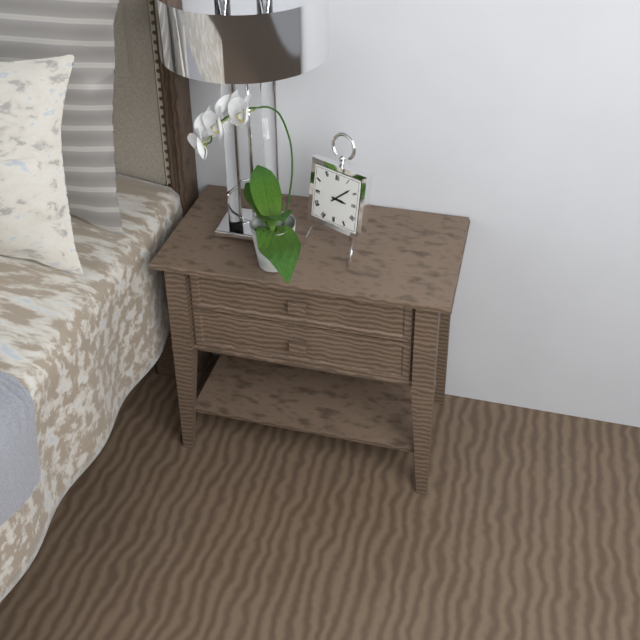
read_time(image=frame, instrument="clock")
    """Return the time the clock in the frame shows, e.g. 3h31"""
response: 3h08
